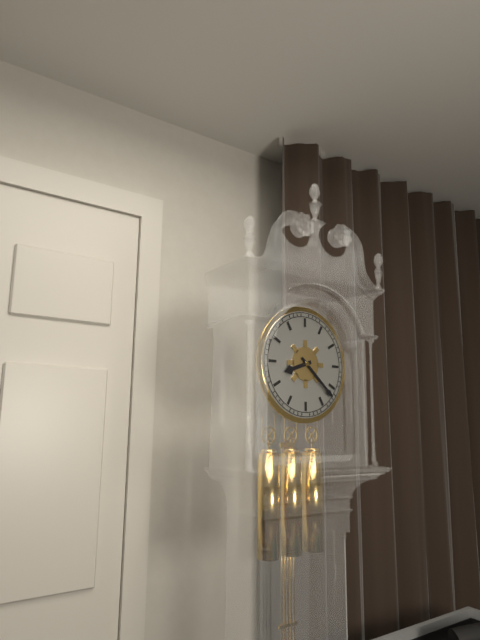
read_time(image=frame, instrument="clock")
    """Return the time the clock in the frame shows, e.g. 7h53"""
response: 8h22
